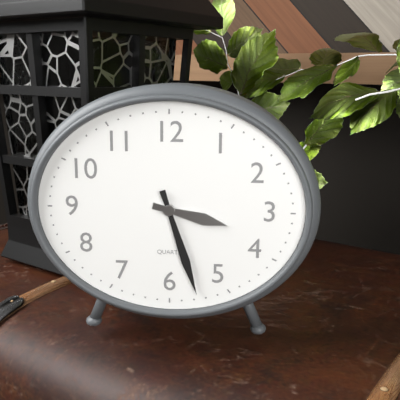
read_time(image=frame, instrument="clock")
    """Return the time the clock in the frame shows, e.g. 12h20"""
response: 3h27
